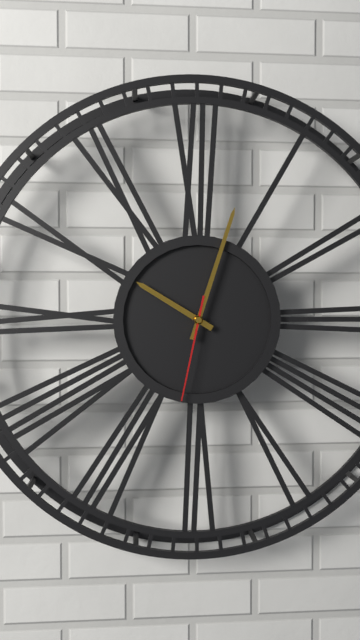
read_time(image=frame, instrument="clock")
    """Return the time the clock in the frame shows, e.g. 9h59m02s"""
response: 10h03m32s
